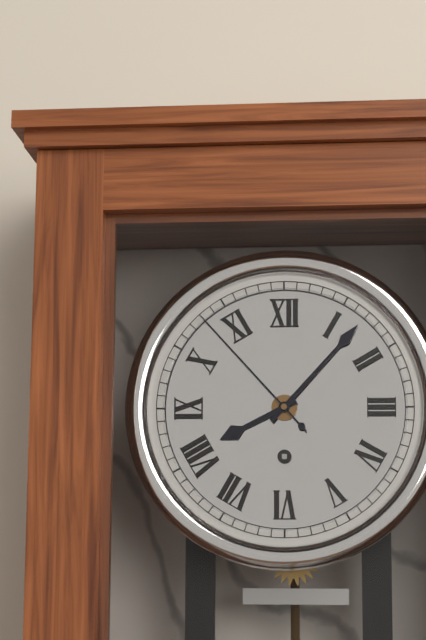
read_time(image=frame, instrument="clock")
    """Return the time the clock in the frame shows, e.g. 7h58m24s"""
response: 8h07m53s
